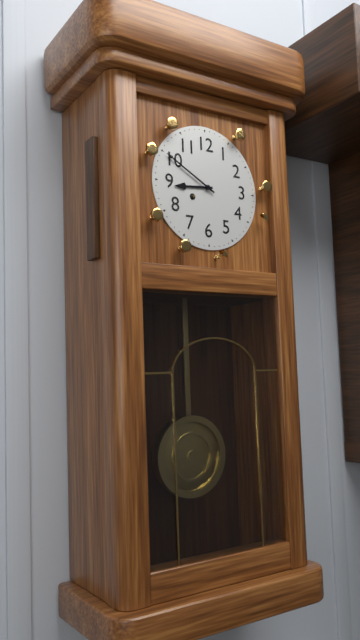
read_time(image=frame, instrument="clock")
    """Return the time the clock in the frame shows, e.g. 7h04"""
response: 8h50
